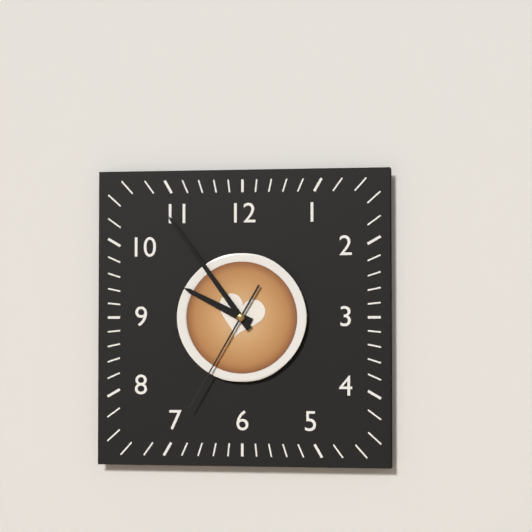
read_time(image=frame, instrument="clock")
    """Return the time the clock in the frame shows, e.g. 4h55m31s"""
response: 9h54m35s
